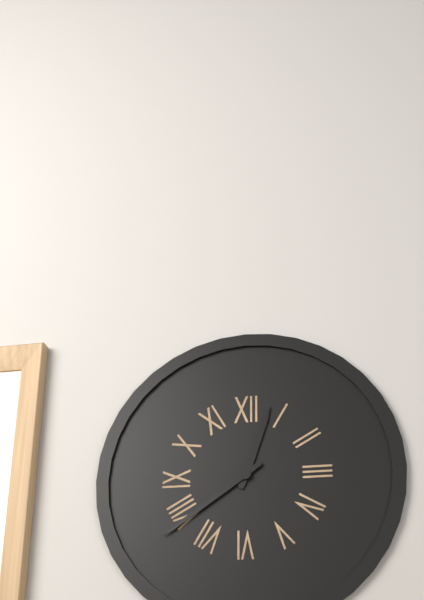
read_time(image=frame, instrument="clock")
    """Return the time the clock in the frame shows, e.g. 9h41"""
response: 12h39
